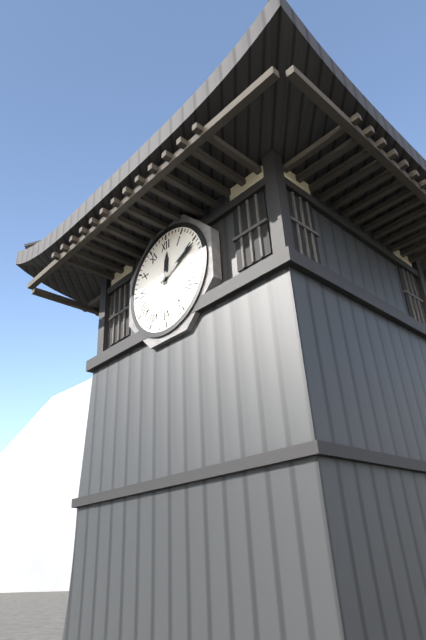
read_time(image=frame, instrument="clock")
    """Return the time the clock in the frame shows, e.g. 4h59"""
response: 12h11
